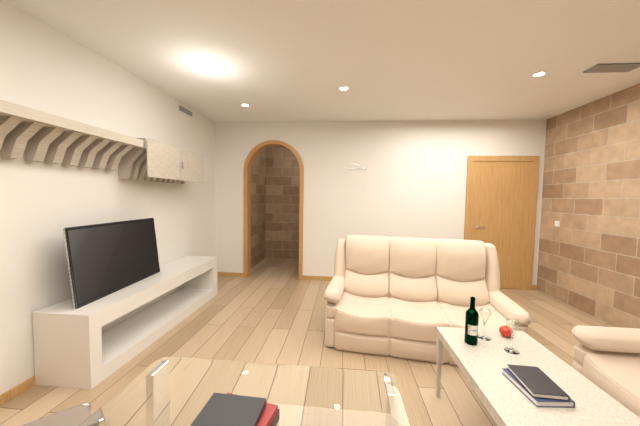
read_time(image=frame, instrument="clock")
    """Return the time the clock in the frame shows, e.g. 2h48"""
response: 9h45
